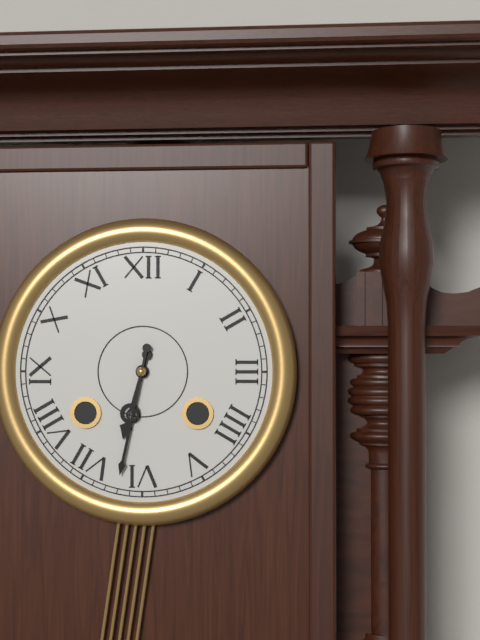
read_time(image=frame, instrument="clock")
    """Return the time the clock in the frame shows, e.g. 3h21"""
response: 6h32
